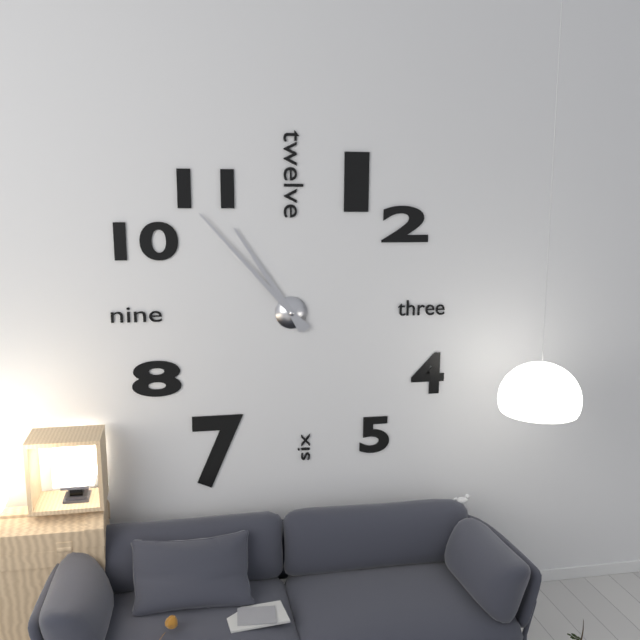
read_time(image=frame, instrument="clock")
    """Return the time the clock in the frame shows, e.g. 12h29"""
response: 10h53
